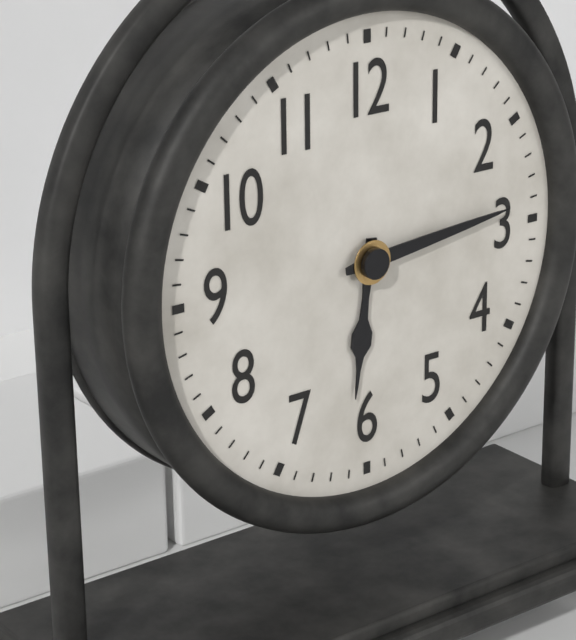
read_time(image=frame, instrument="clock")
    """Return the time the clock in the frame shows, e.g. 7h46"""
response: 6h14
